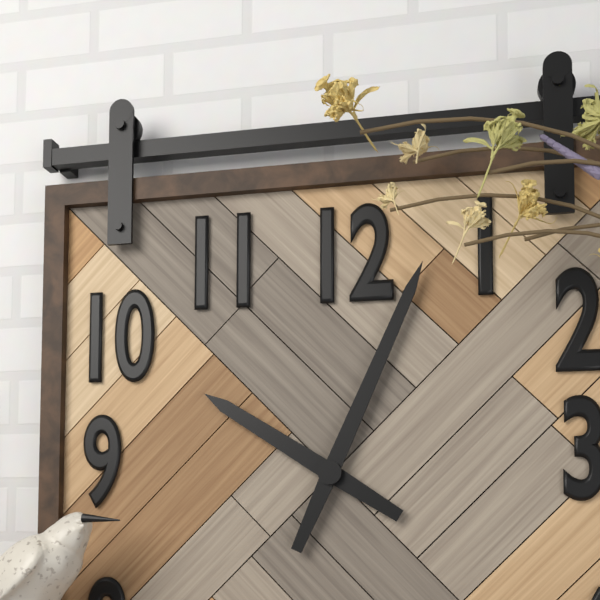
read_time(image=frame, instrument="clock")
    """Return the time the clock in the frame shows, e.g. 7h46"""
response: 10h04
